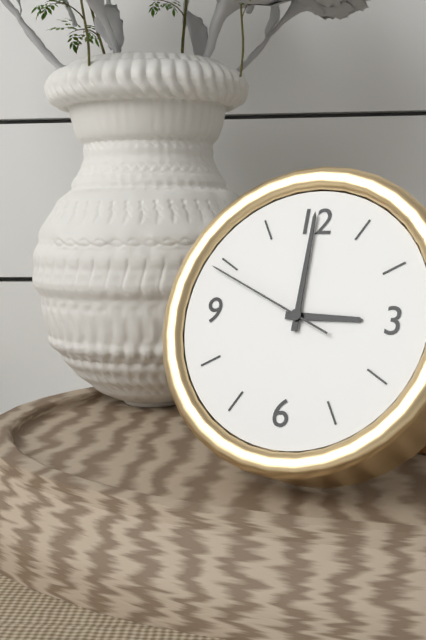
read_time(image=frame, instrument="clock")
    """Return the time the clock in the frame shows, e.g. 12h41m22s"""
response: 3h00m49s
